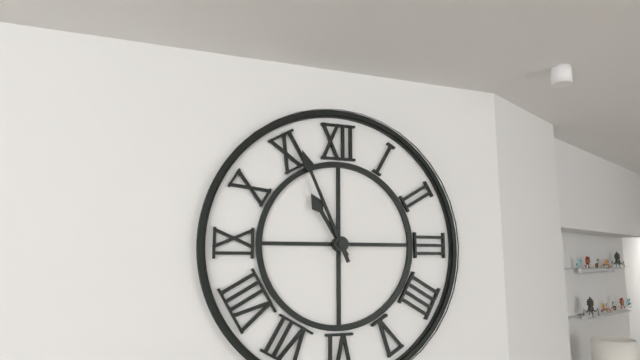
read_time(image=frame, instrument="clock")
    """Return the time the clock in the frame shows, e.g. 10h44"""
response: 10h56
